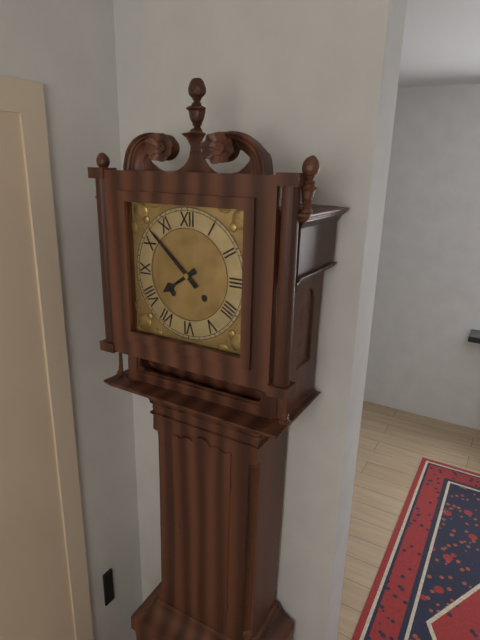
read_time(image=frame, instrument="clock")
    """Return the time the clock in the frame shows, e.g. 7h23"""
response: 7h52
